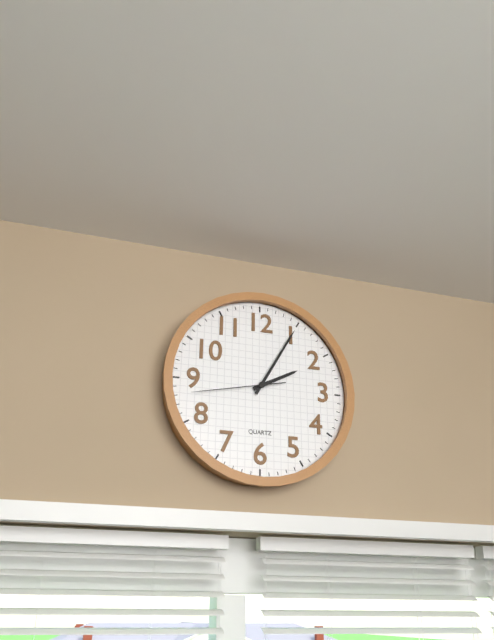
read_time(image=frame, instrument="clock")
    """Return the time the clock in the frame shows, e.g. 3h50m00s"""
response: 2h05m43s
